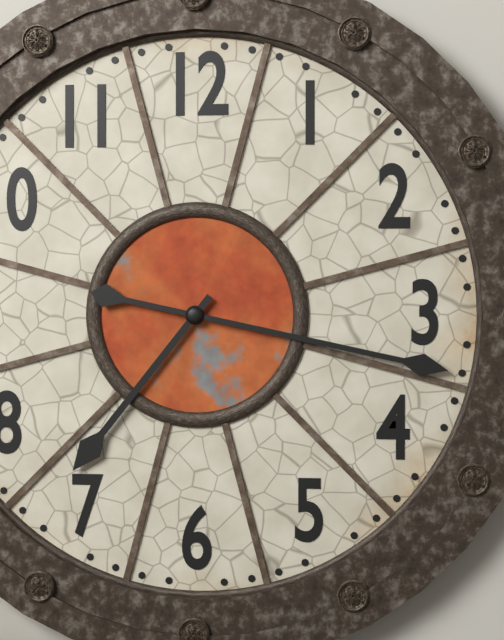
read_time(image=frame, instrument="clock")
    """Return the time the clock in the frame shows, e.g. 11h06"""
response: 7h17
